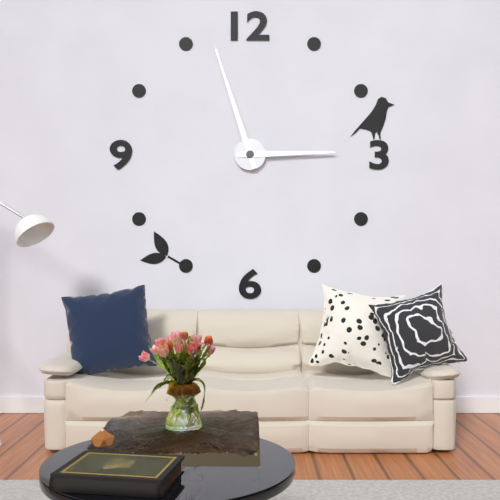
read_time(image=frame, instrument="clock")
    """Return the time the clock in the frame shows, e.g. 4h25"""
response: 2h57
